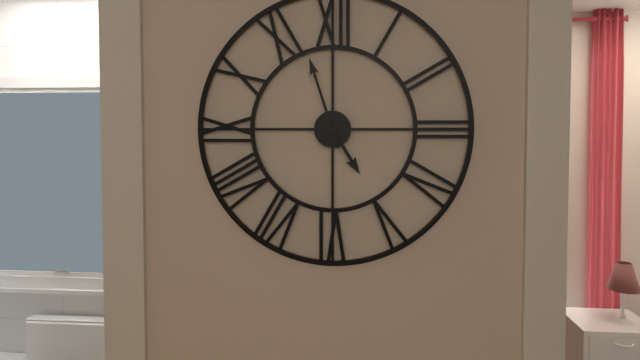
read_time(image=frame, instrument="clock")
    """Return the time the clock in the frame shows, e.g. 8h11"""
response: 4h57
